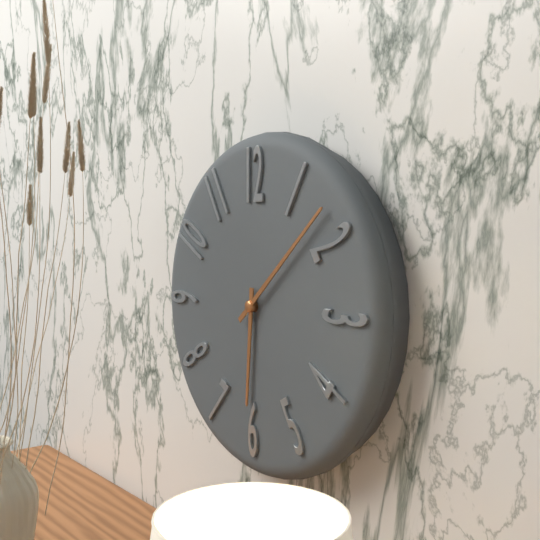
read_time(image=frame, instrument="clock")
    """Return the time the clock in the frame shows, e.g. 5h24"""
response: 6h08
